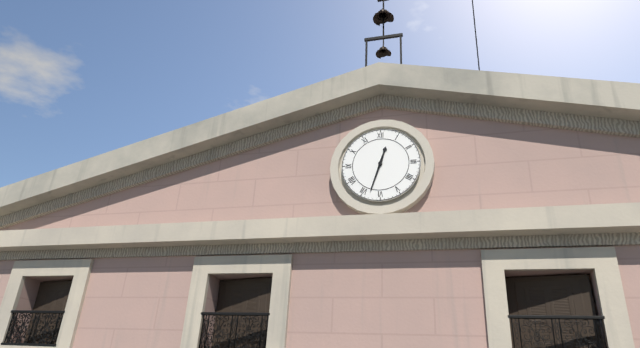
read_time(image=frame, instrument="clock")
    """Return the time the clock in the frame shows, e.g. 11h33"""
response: 12h33
